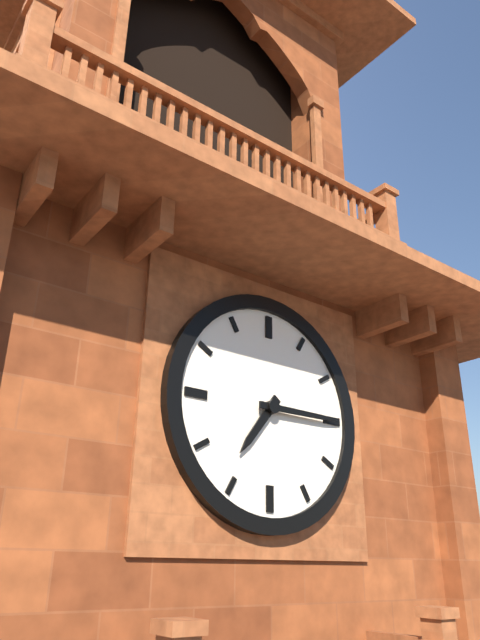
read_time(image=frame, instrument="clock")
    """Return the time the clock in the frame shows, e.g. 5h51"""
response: 7h15
